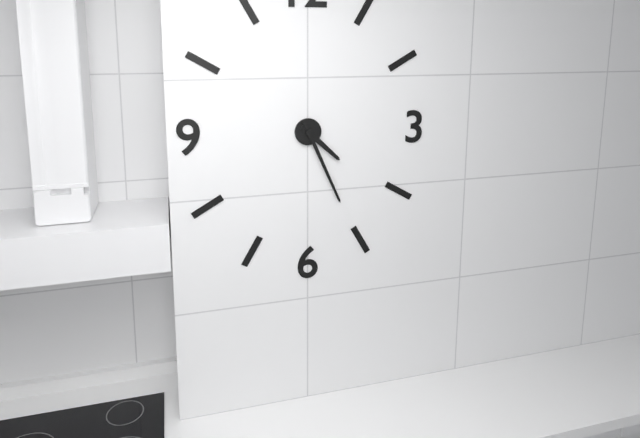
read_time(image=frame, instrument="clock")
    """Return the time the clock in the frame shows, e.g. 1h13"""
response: 4h26
